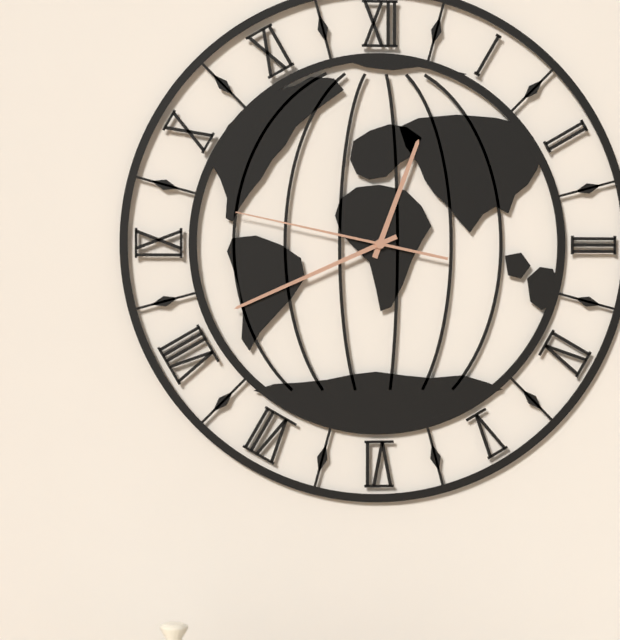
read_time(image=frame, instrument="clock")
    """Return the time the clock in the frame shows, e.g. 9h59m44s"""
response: 12h41m47s
